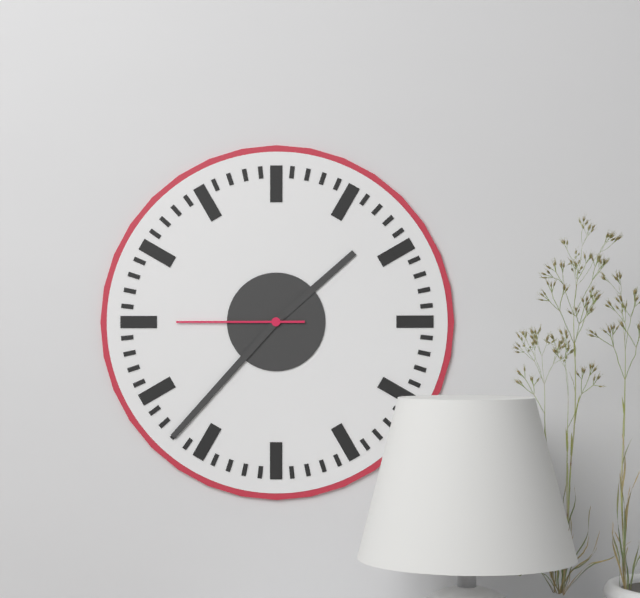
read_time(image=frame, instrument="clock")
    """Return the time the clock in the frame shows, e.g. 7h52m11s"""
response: 1h37m45s
